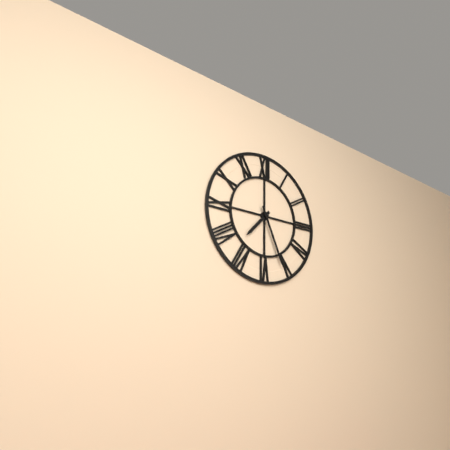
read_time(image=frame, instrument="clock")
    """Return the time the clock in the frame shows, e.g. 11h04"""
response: 7h26
